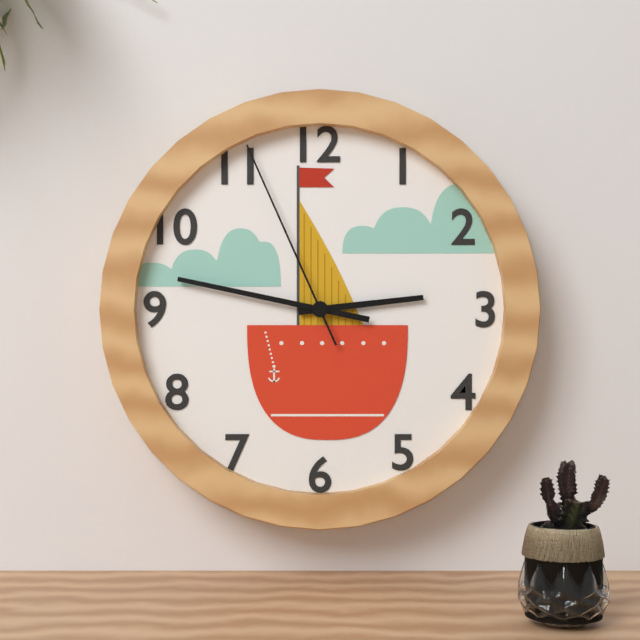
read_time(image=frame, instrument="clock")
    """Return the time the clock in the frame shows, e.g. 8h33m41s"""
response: 2h47m56s
